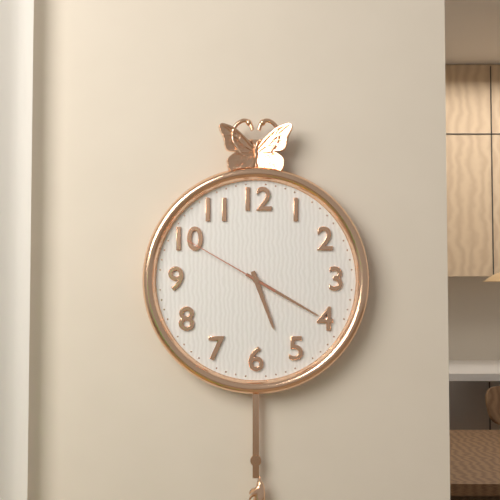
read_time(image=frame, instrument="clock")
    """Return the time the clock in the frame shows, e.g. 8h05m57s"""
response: 5h20m50s
